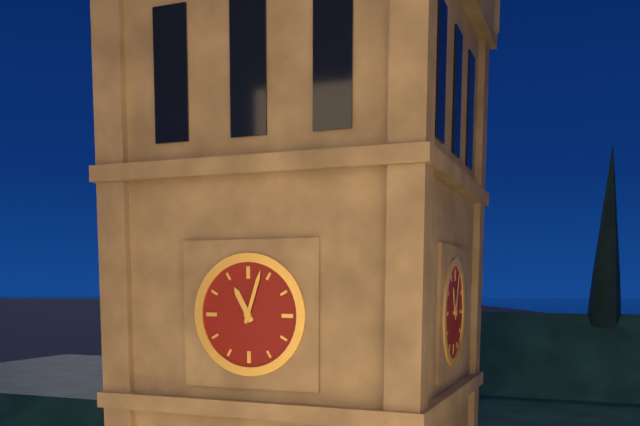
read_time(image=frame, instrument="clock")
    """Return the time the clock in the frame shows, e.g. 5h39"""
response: 11h03
